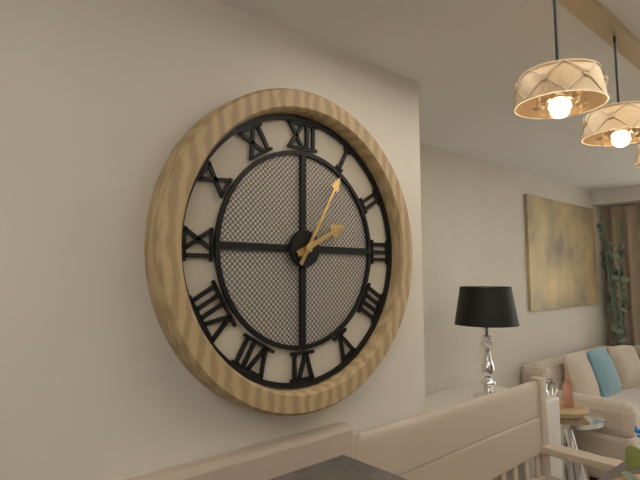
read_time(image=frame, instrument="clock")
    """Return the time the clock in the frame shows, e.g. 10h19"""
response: 2h05
